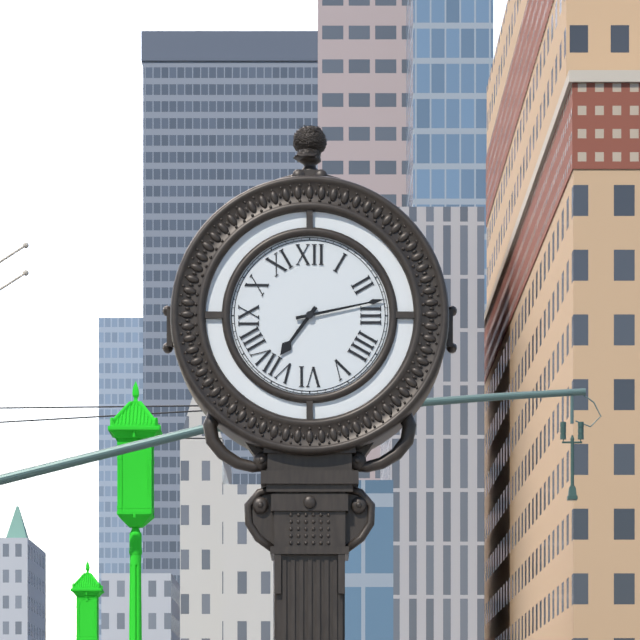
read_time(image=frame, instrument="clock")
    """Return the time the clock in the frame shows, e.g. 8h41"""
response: 7h13
